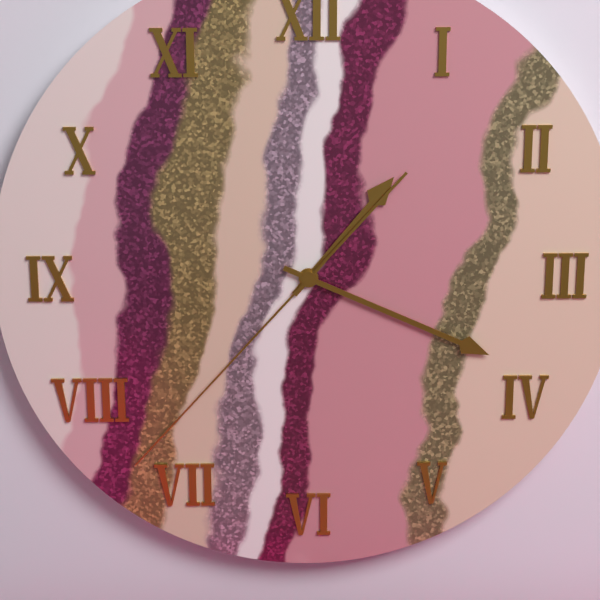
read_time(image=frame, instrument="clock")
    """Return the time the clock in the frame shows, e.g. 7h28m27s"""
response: 1h19m37s
